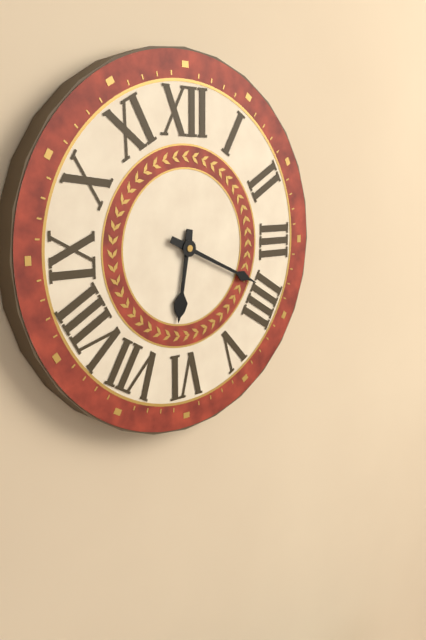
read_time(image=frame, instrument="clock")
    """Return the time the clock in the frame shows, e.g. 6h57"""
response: 6h19
